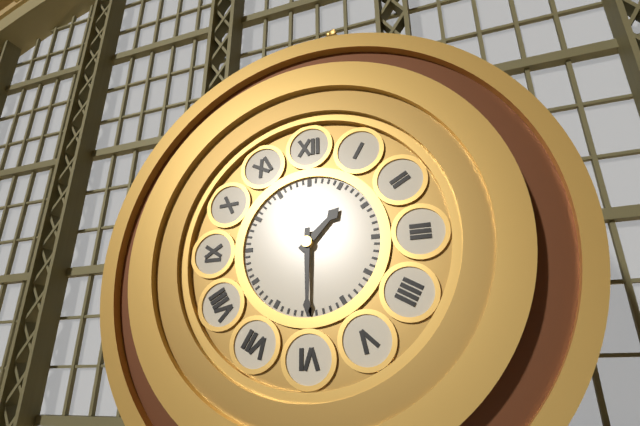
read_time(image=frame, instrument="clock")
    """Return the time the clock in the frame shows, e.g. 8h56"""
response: 1h30
